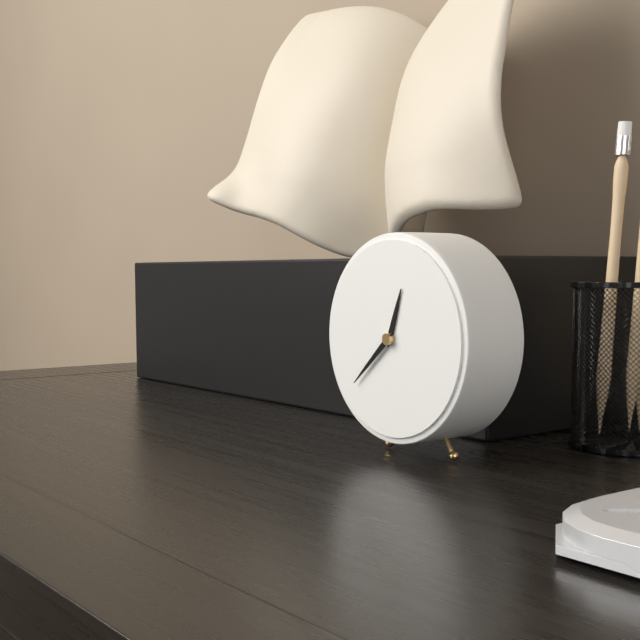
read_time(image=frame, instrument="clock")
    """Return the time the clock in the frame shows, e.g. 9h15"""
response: 12h38
